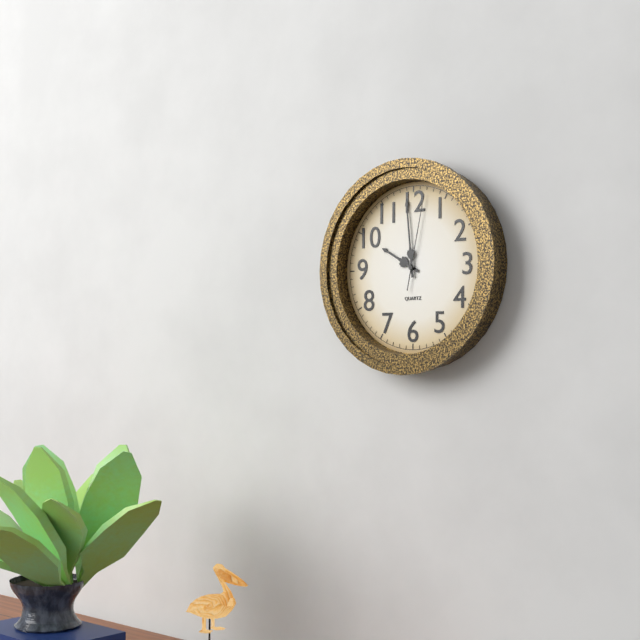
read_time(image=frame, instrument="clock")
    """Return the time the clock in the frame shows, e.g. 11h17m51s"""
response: 9h59m02s
